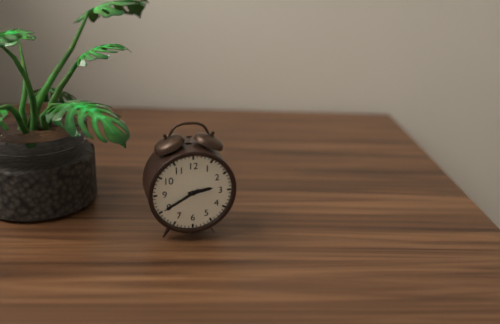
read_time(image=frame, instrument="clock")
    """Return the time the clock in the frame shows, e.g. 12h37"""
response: 2h40
